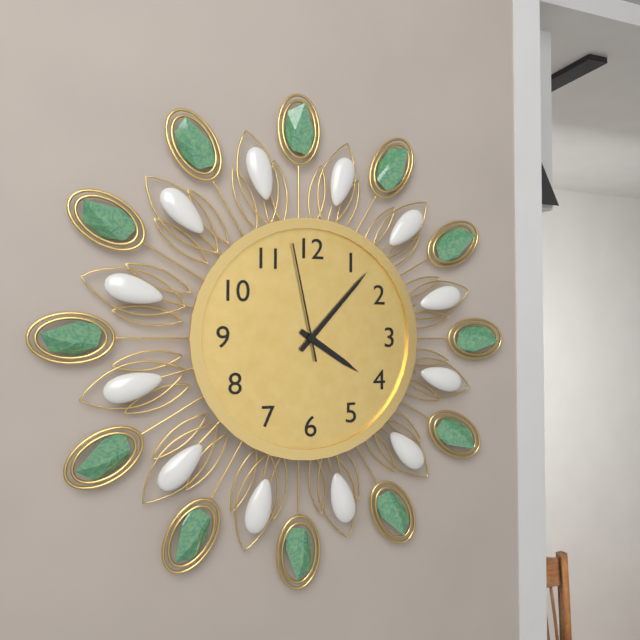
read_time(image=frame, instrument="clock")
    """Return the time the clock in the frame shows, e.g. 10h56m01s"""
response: 4h07m58s
